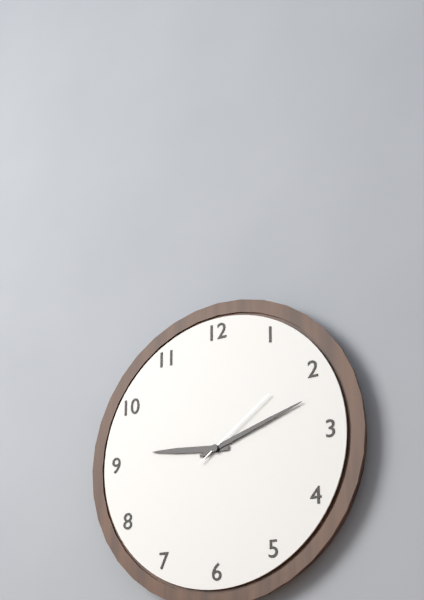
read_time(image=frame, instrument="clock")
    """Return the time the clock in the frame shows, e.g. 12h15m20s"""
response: 9h12m09s
